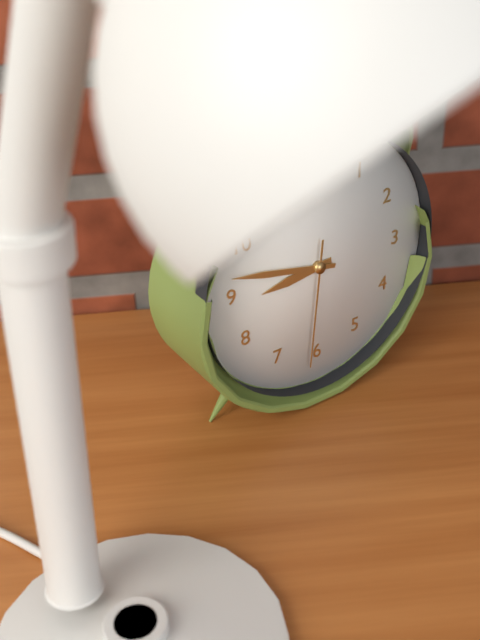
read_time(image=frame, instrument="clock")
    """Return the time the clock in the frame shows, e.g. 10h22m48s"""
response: 8h47m31s
